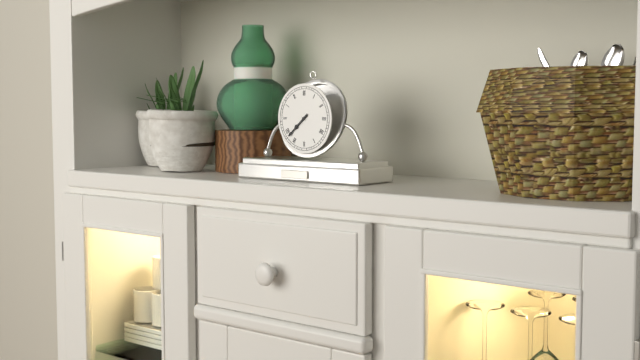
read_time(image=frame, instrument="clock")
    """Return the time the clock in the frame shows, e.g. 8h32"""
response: 7h38
